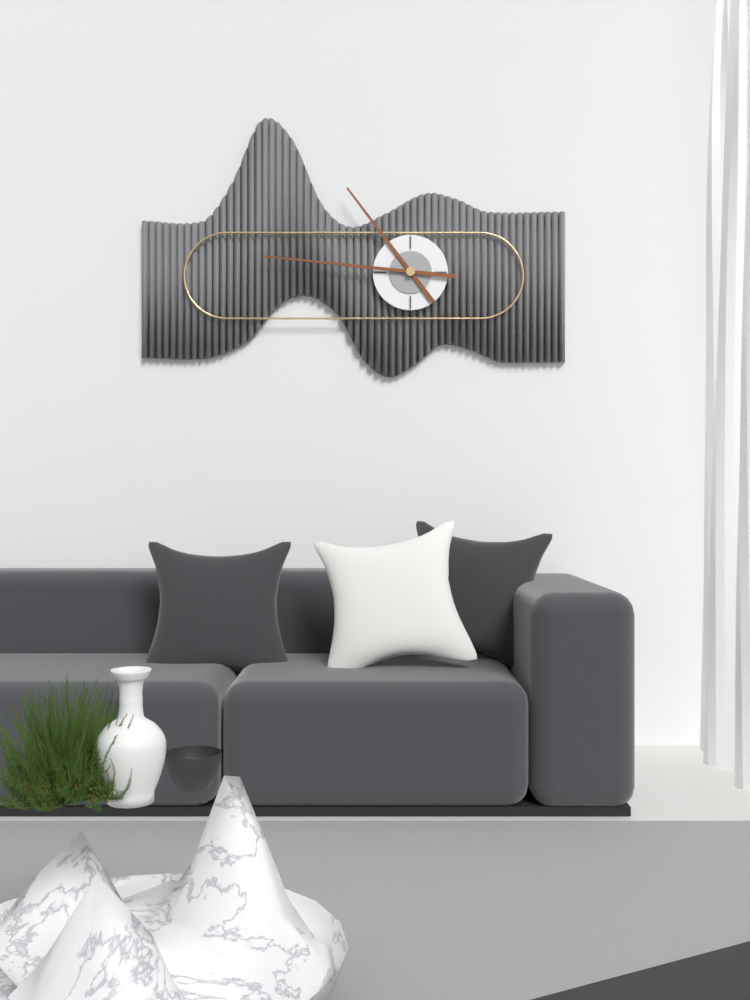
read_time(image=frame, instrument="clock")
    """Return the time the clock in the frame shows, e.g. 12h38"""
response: 10h46
